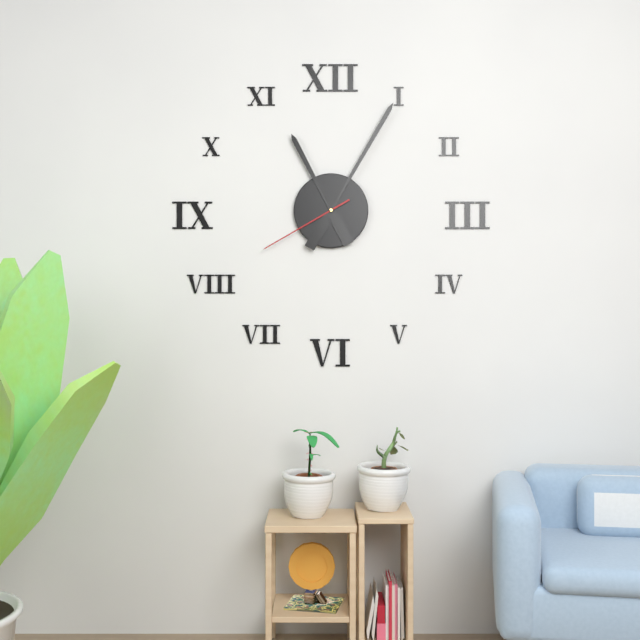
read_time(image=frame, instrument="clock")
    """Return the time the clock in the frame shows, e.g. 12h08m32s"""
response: 11h05m40s
